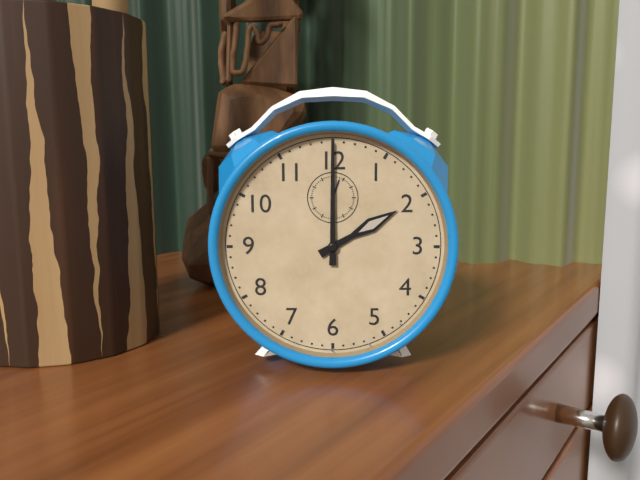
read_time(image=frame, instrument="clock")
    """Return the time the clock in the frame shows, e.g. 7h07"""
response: 2h00
